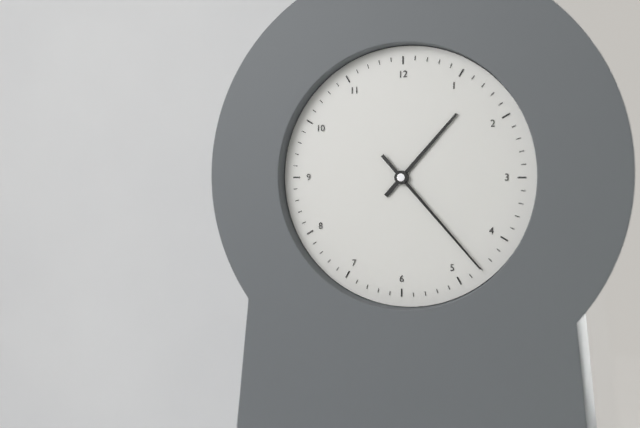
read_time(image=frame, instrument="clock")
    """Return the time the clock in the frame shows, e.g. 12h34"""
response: 1h23
